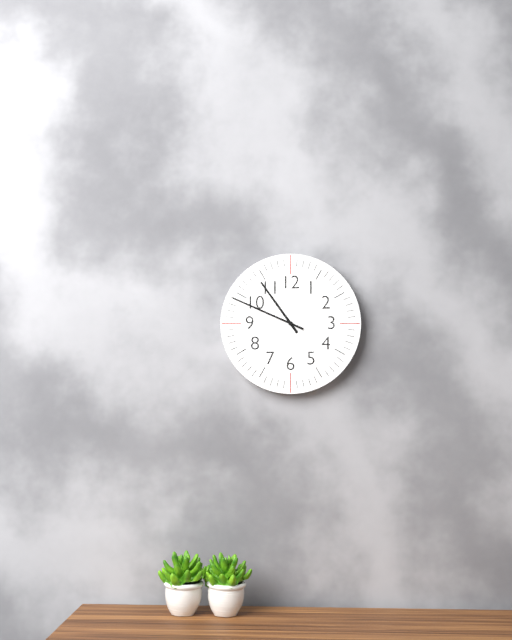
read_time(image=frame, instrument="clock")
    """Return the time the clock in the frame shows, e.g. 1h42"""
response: 10h49
